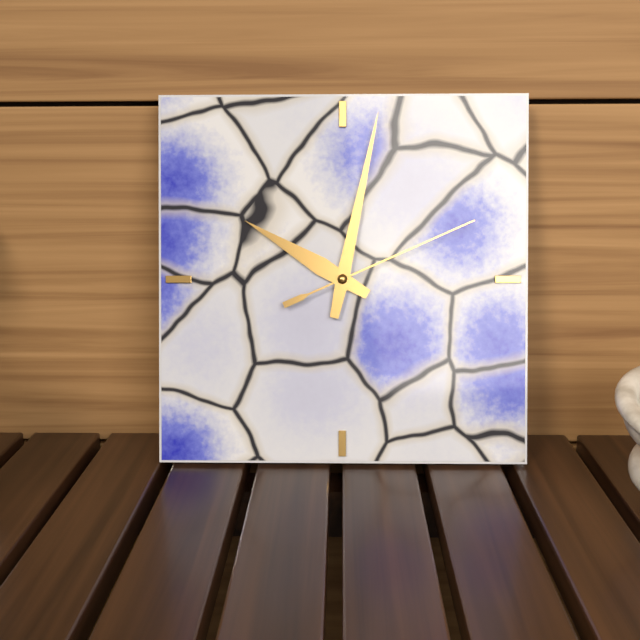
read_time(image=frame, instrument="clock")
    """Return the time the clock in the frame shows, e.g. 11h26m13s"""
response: 10h02m11s
